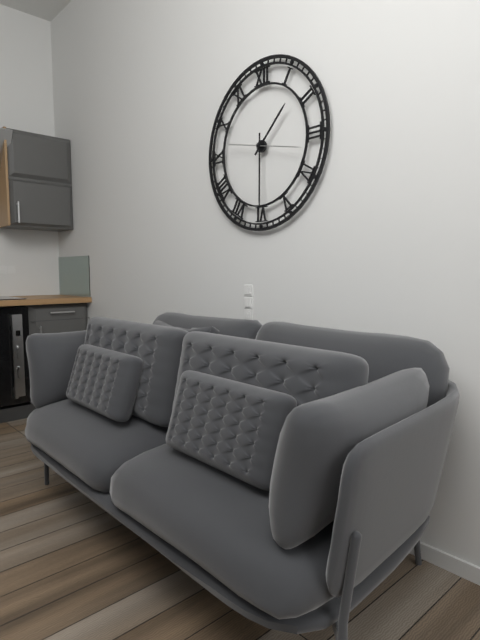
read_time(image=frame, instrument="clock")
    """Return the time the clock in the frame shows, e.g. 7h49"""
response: 1h30
